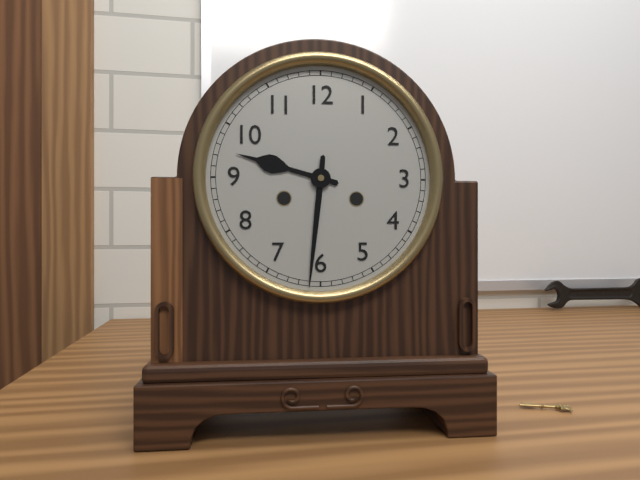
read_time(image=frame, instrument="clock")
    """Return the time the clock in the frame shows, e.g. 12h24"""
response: 9h31
